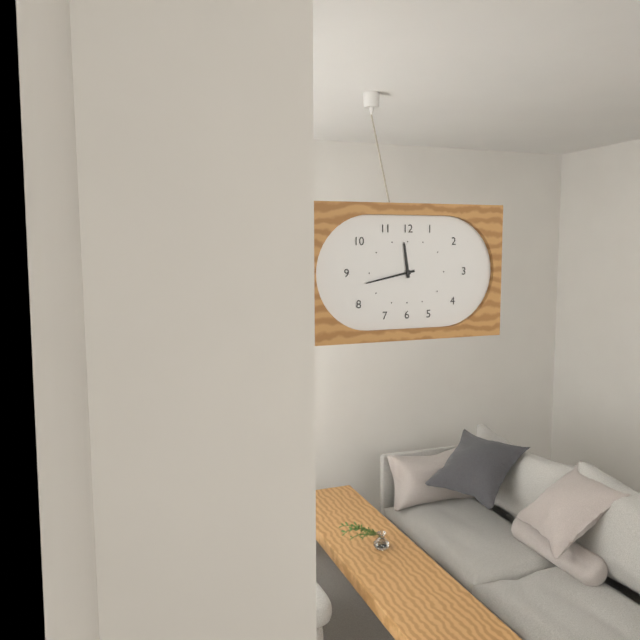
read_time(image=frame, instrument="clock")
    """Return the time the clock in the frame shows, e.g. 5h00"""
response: 11h43
